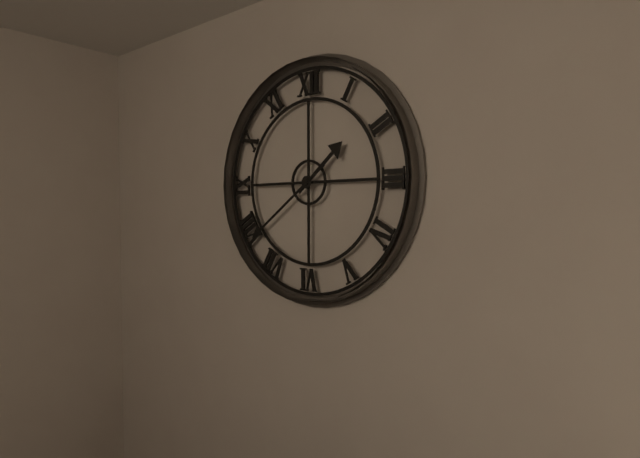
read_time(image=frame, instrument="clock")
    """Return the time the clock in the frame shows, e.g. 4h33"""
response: 1h39
